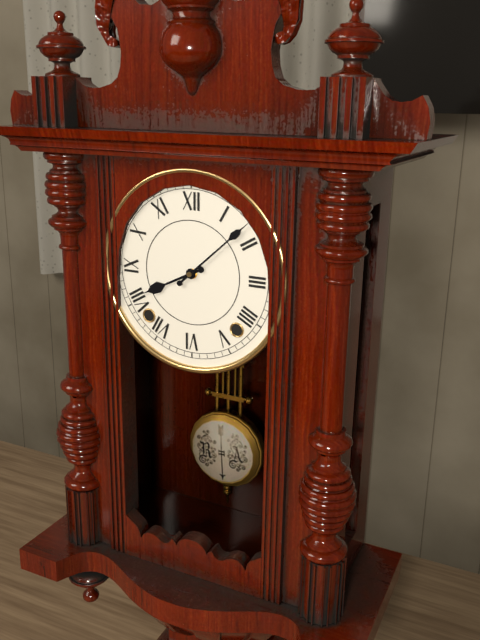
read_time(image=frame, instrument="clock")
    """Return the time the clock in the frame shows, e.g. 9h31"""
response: 8h08
